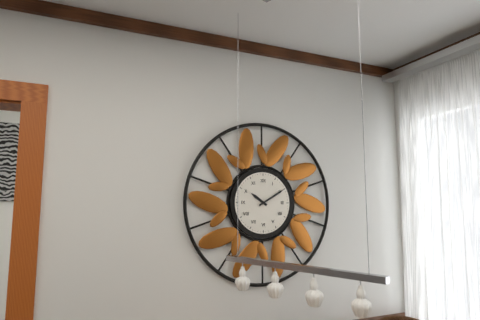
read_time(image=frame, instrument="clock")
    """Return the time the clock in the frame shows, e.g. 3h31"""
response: 10h10
